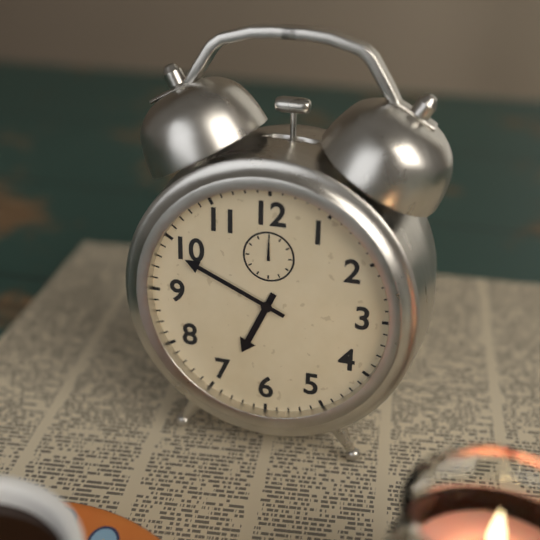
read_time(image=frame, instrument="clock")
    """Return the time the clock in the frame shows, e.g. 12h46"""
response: 6h49
